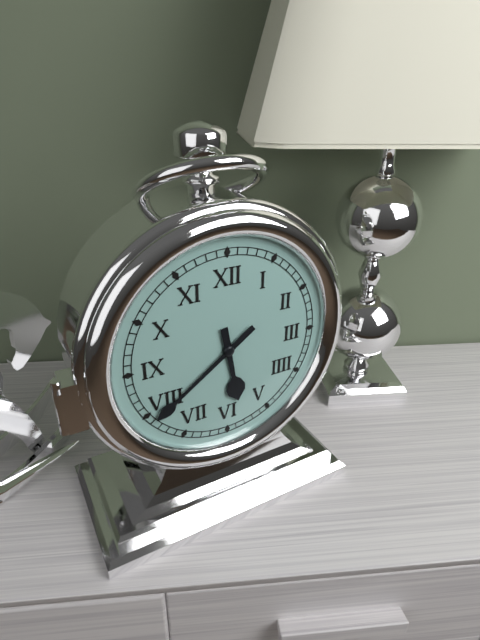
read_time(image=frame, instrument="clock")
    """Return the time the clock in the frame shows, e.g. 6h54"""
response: 5h39
